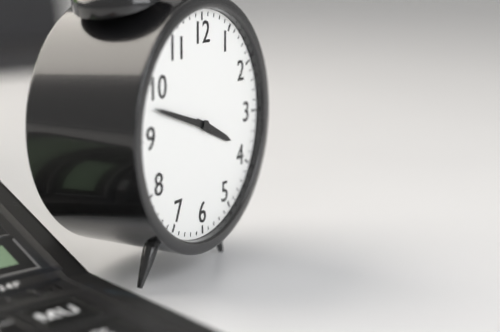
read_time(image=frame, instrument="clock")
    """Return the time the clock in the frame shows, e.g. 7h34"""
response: 3h48
